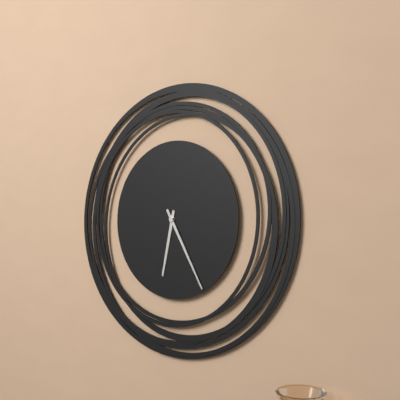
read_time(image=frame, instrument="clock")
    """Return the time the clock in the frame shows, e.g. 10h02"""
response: 6h25
